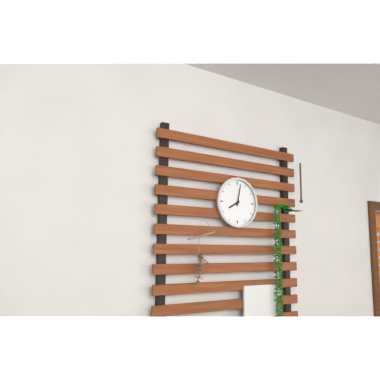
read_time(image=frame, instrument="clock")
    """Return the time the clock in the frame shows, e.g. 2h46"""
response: 8h02
